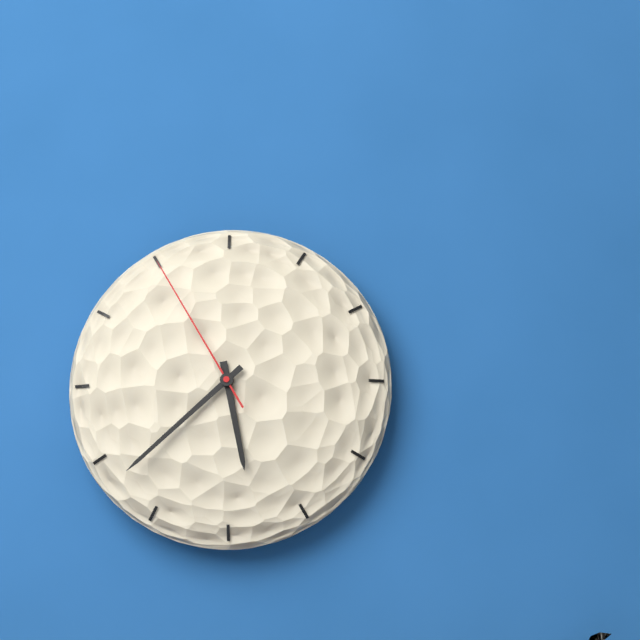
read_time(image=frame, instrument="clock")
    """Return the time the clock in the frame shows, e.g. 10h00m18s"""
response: 5h38m55s
